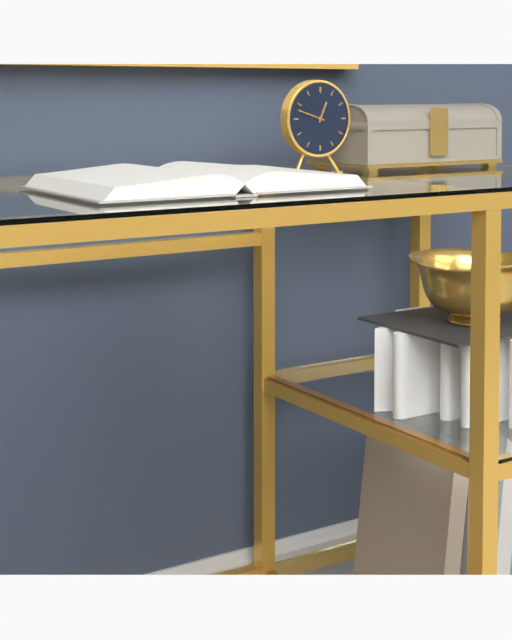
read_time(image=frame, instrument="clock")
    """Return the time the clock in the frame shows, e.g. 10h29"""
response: 12h48
